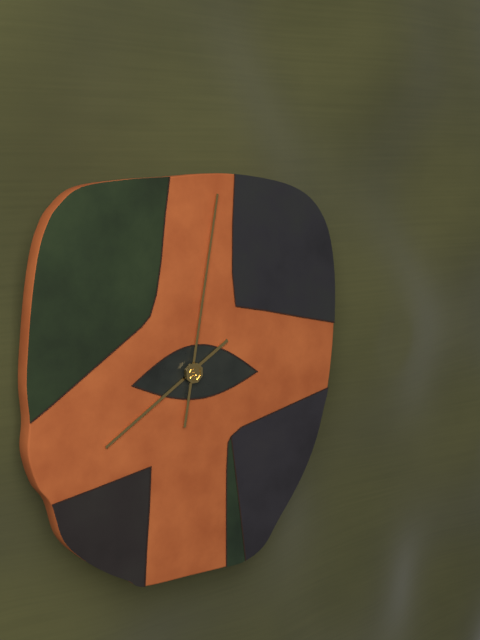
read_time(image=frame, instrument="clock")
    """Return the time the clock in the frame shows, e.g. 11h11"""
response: 8h02
